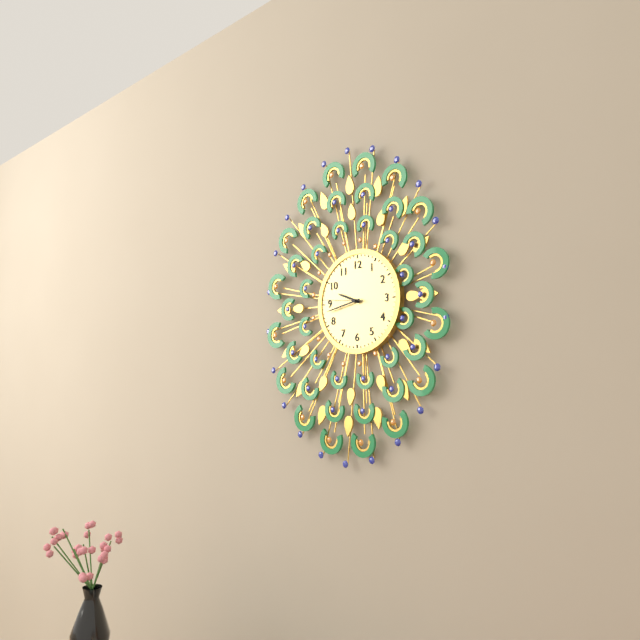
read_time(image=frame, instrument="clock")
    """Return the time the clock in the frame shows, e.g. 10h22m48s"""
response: 9h43m46s
